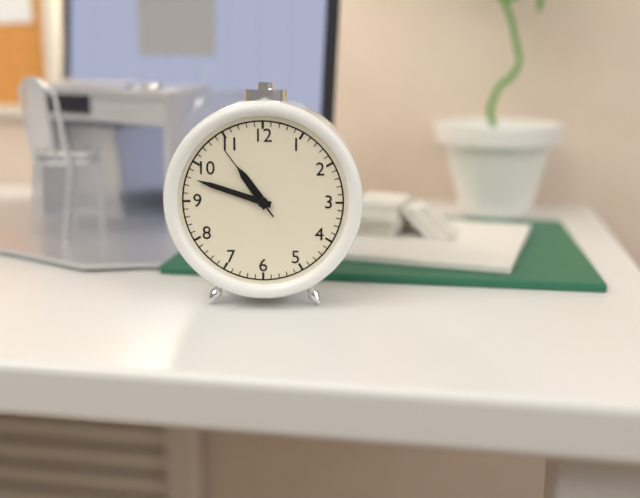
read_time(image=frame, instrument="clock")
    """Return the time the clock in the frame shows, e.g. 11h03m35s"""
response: 10h48m54s
